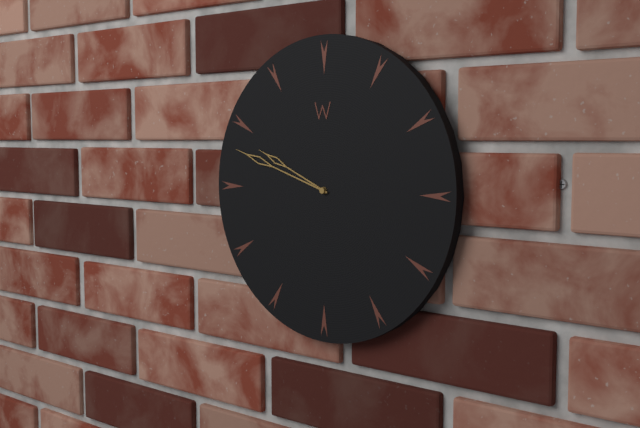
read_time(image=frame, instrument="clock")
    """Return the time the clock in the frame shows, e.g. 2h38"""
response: 9h48
